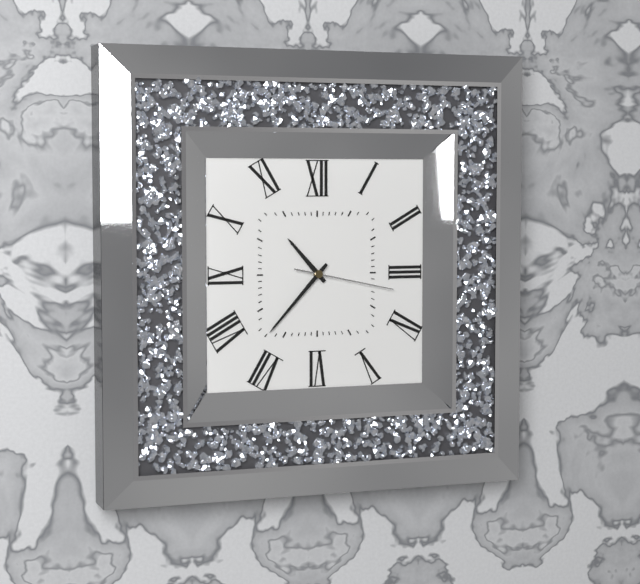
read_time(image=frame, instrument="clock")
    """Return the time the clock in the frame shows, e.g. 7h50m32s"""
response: 10h37m17s
